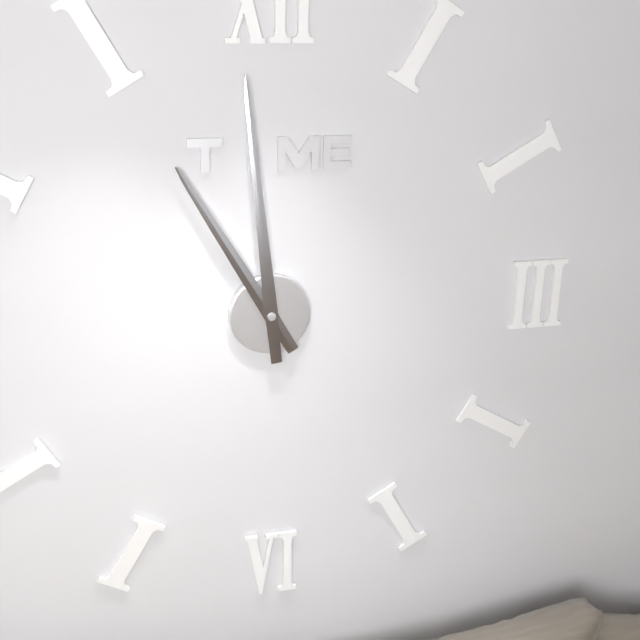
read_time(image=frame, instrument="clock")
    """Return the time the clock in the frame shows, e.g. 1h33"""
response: 10h59
